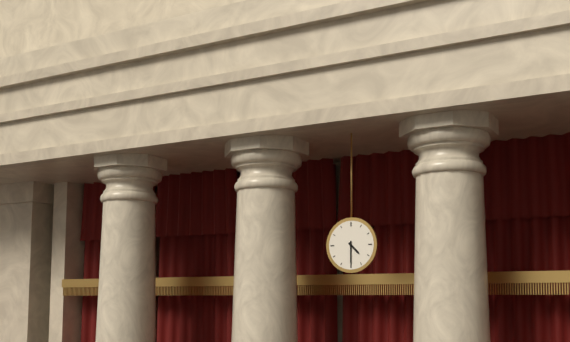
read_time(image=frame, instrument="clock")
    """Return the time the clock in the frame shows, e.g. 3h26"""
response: 4h30
